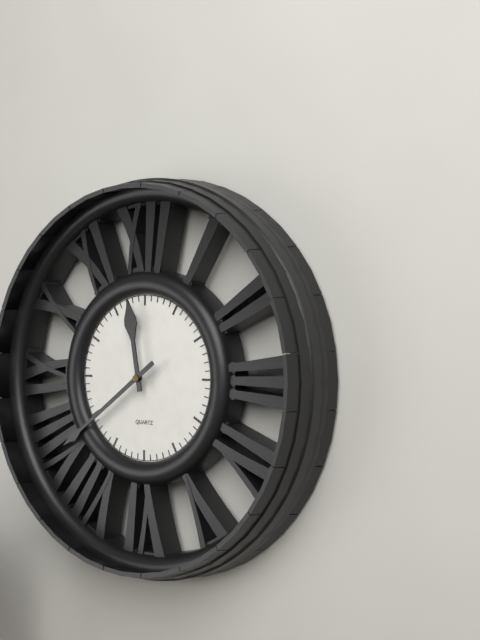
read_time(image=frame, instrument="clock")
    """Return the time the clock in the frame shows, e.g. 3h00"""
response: 11h39
